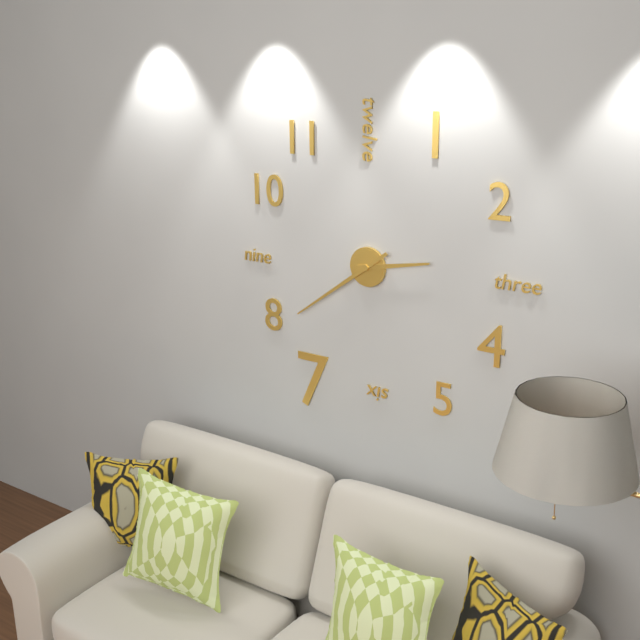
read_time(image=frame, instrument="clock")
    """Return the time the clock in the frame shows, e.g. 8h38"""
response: 2h39
